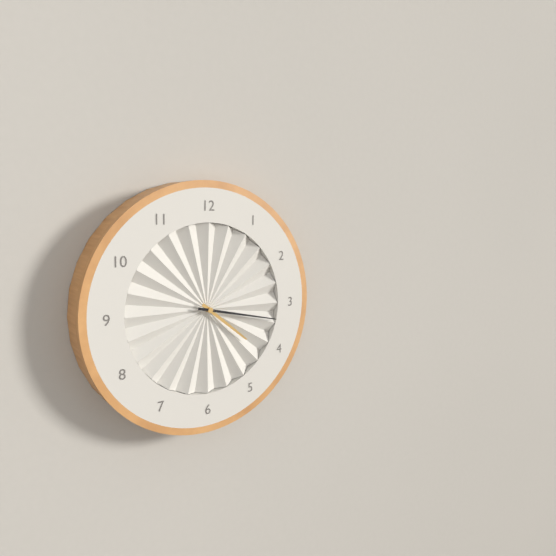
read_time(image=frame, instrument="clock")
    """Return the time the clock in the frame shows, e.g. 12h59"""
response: 4h17
